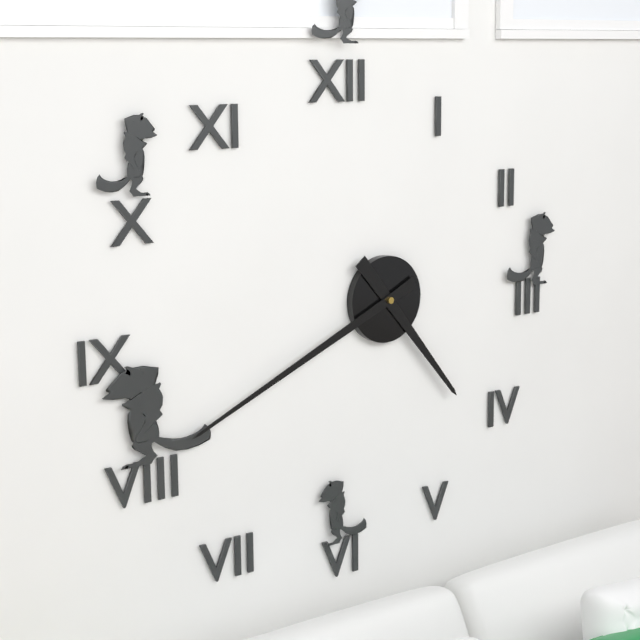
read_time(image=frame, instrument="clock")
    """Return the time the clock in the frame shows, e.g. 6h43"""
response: 4h41
